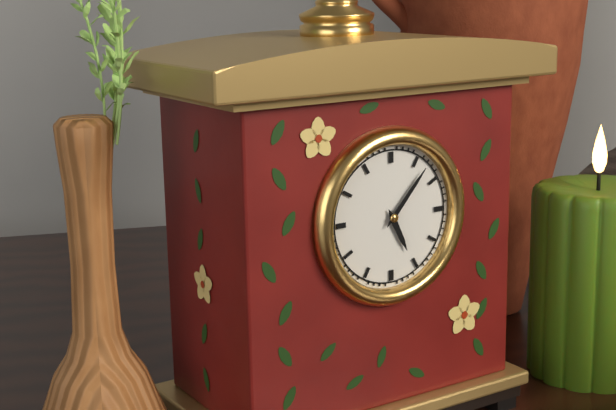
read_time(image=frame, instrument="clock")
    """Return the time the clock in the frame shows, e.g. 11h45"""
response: 5h07
